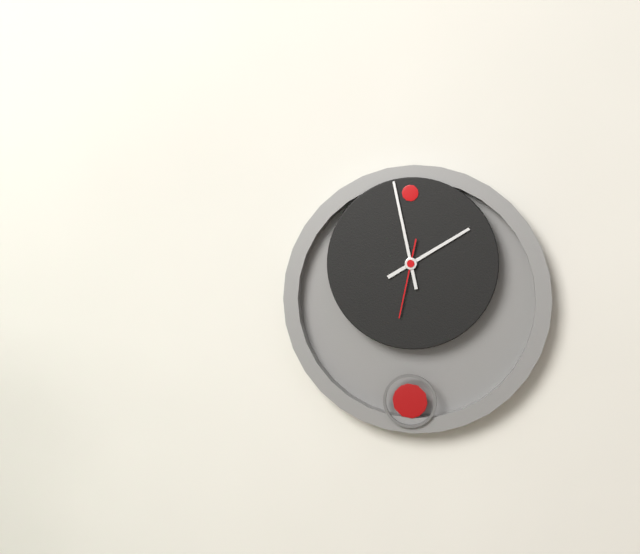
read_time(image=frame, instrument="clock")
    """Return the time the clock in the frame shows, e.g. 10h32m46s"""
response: 1h58m32s
